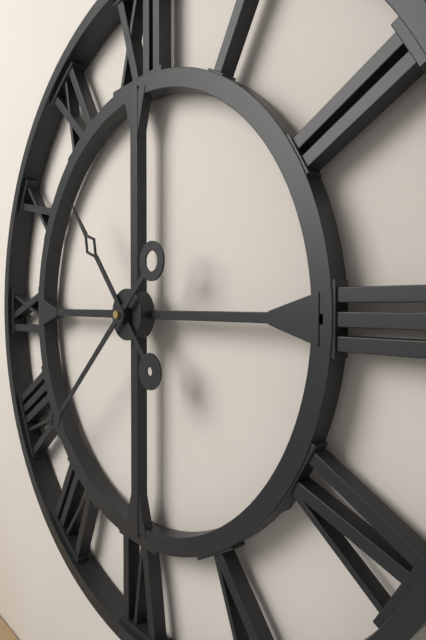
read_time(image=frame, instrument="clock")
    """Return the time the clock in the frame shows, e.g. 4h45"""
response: 10h38
